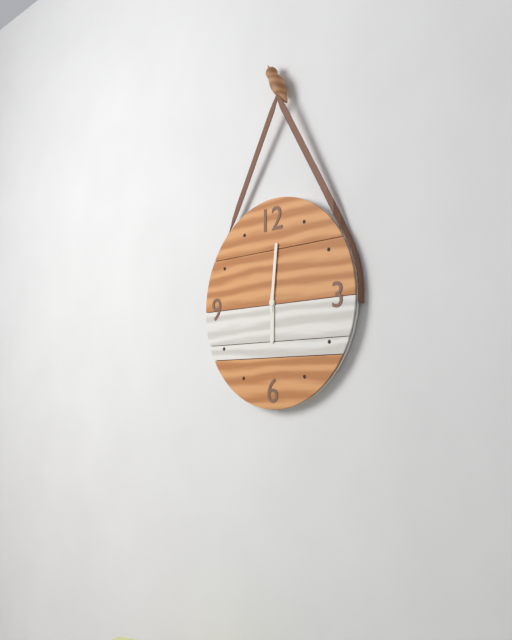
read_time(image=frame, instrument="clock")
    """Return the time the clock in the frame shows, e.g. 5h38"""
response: 6h01
